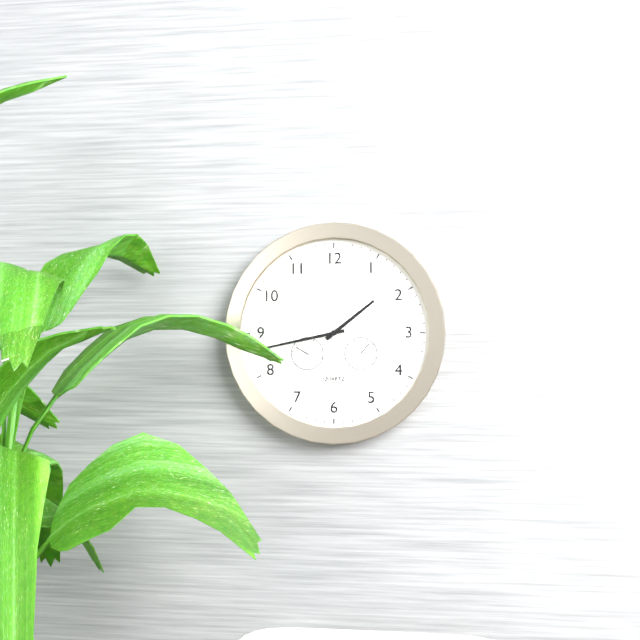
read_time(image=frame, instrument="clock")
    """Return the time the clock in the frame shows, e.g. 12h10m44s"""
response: 1h43m33s
